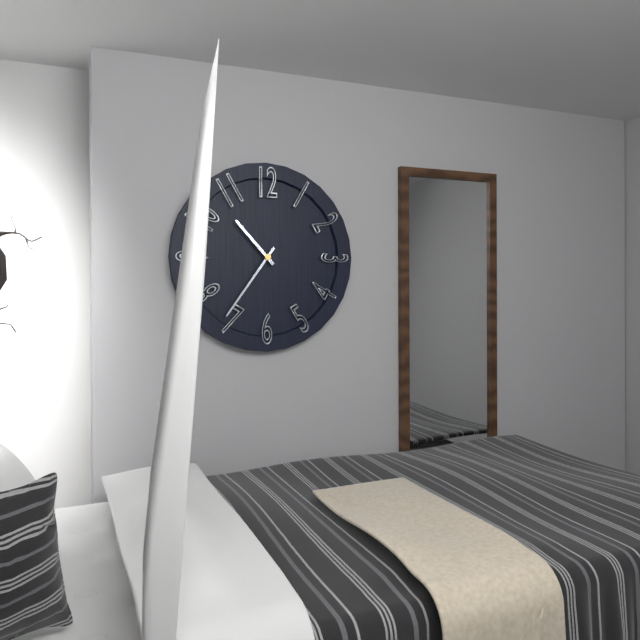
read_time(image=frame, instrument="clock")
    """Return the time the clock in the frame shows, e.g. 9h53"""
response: 10h36
